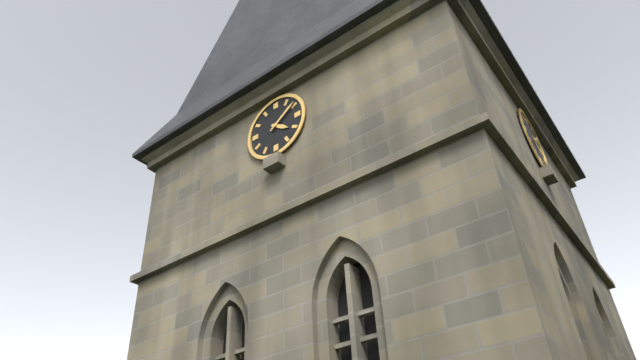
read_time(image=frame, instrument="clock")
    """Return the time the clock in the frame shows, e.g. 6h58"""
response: 4h09
